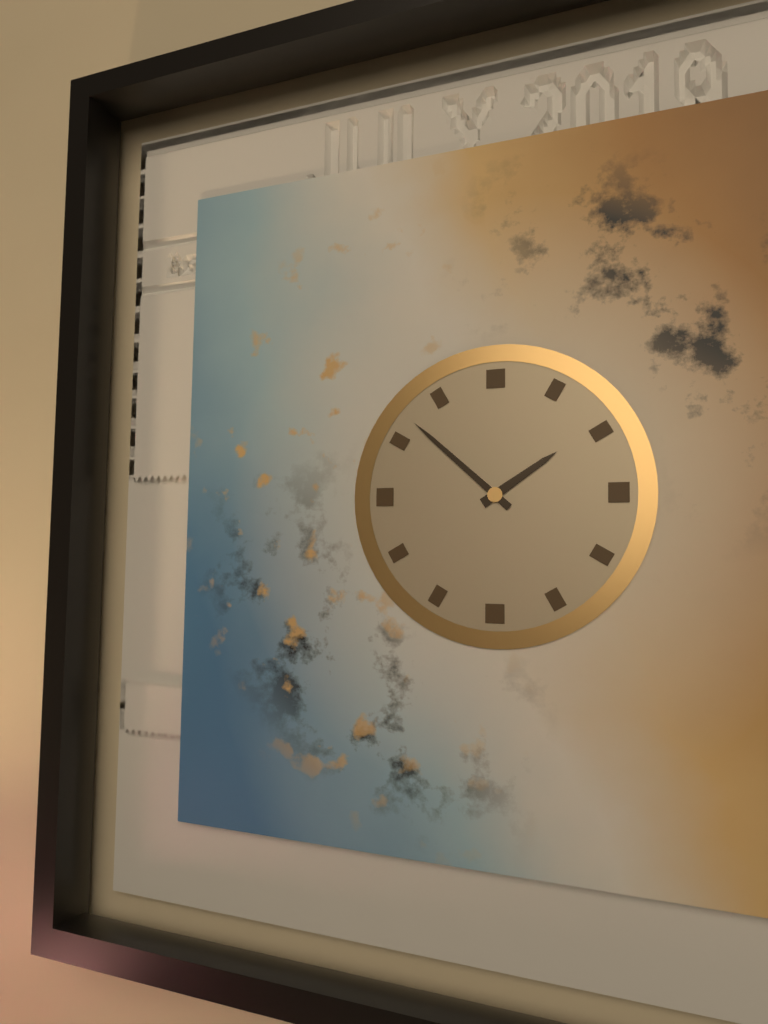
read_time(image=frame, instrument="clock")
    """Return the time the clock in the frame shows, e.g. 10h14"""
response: 1h52
